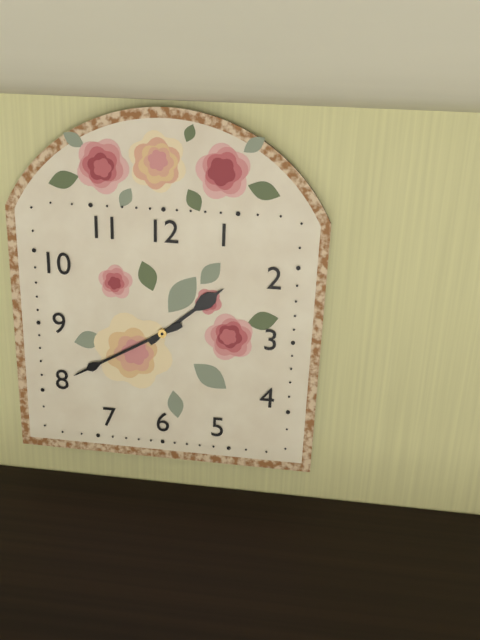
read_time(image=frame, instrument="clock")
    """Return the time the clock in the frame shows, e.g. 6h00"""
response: 1h40
